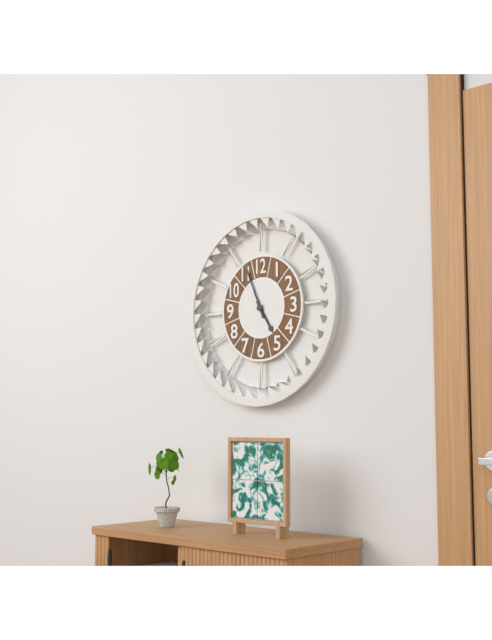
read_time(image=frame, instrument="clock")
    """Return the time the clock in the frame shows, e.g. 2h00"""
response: 4h56
